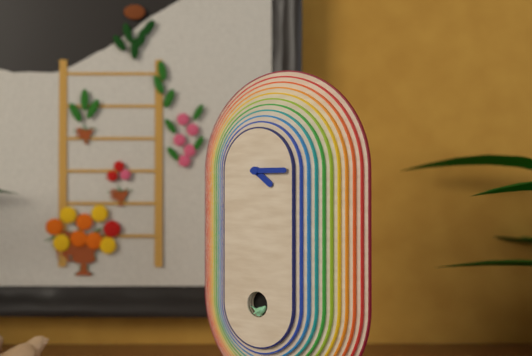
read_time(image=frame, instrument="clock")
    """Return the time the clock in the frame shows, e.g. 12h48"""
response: 4h15
